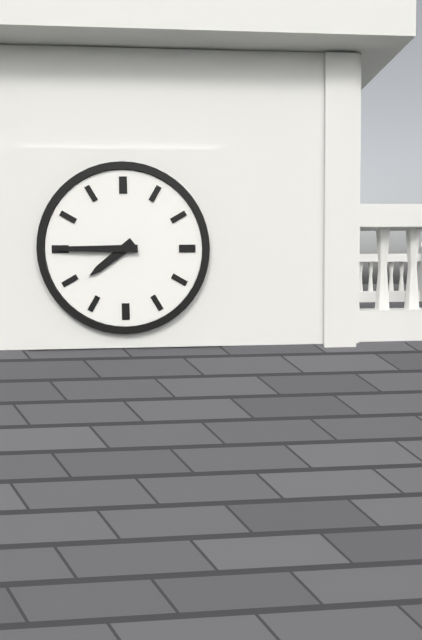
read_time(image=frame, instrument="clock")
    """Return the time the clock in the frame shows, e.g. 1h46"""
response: 7h45
